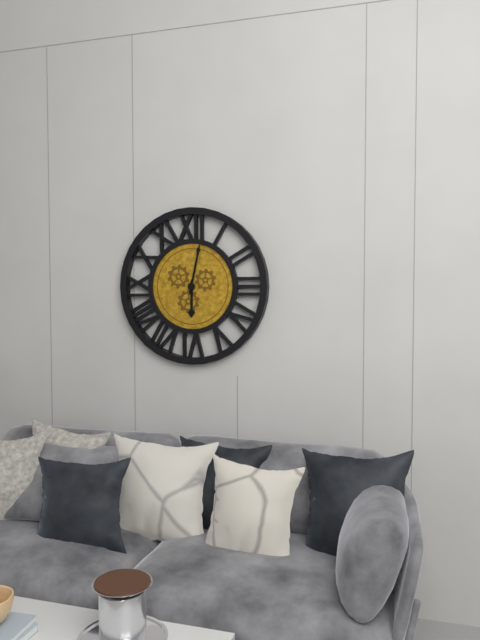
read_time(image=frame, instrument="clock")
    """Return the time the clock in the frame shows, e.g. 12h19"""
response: 6h02
